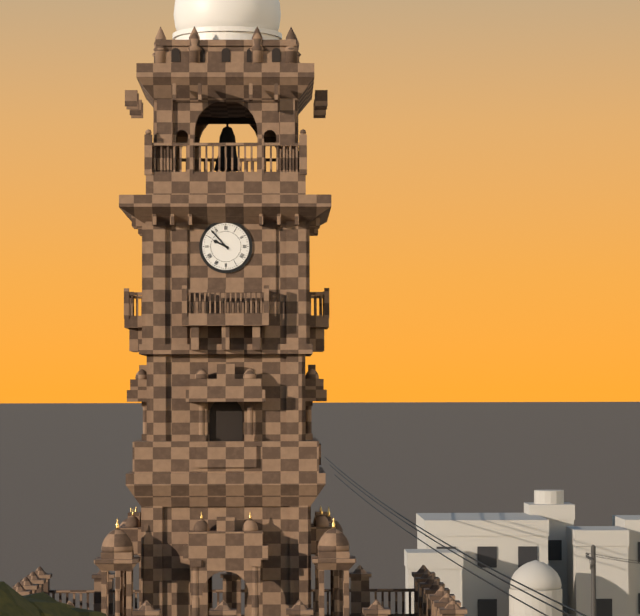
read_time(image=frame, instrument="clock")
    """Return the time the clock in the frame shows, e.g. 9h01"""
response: 9h53
